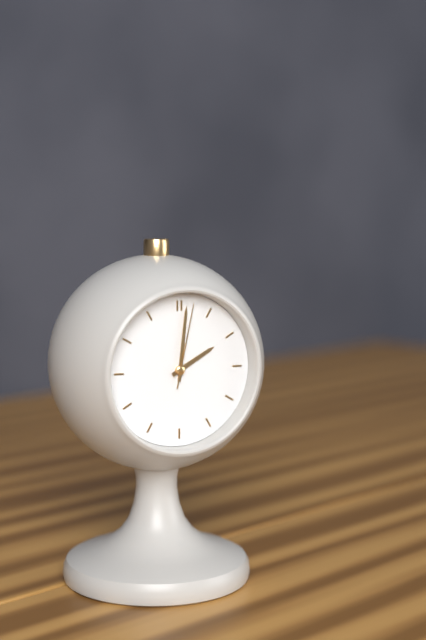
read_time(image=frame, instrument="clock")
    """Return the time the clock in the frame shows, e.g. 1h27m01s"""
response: 2h01m02s
